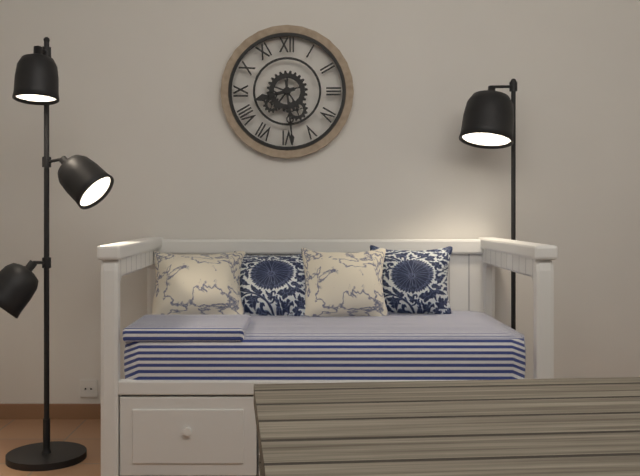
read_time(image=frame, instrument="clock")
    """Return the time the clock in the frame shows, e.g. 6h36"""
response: 8h29
